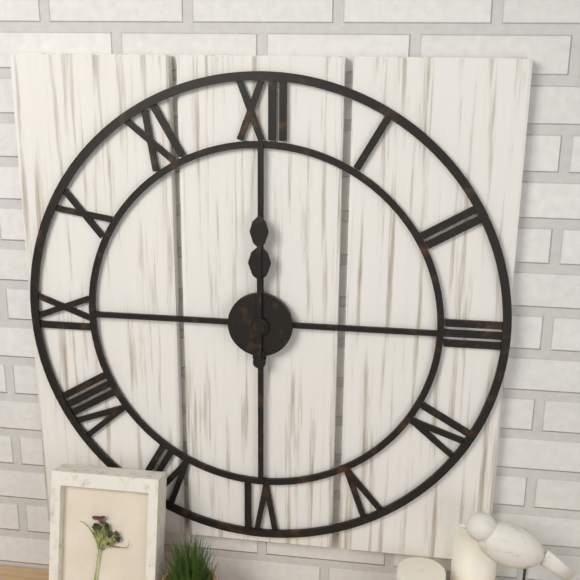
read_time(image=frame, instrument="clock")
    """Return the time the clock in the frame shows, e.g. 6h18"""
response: 12h00
